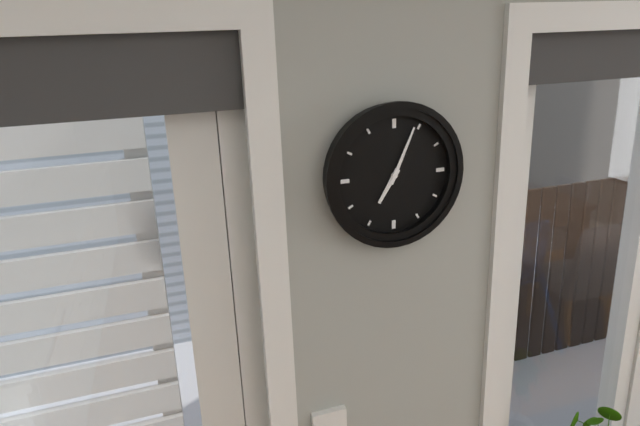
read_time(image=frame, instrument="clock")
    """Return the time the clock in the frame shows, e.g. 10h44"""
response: 7h04
